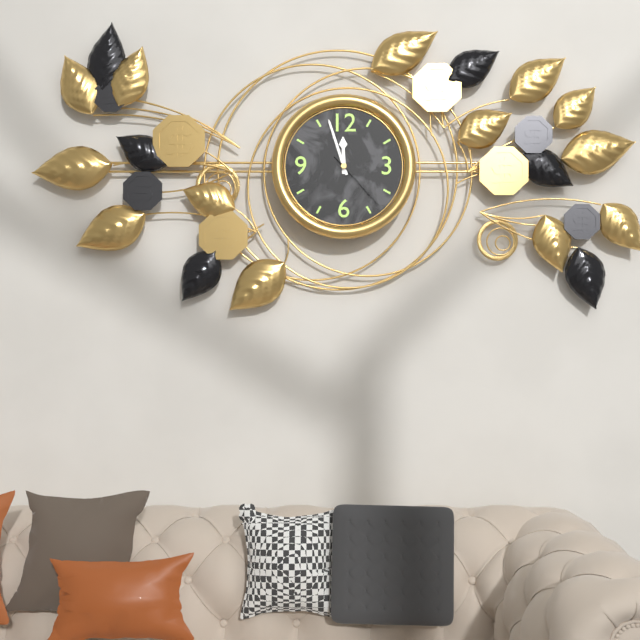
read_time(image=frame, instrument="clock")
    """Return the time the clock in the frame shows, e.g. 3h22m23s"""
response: 11h57m23s
